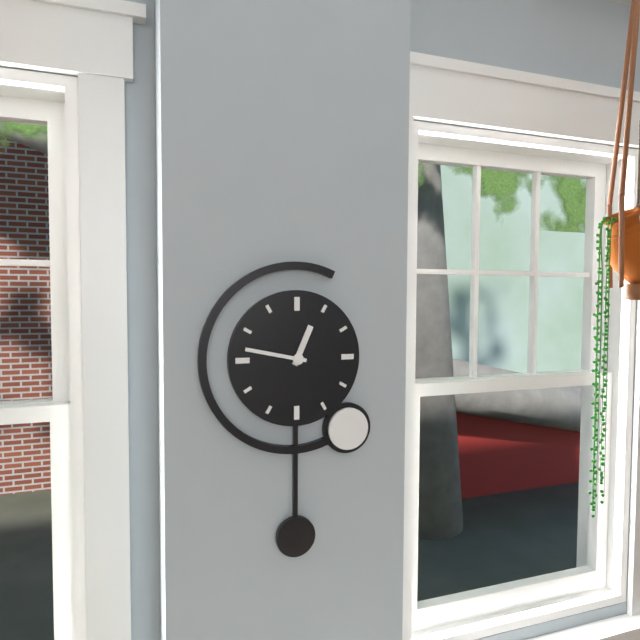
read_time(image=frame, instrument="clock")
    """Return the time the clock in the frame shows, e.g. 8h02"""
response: 12h47
